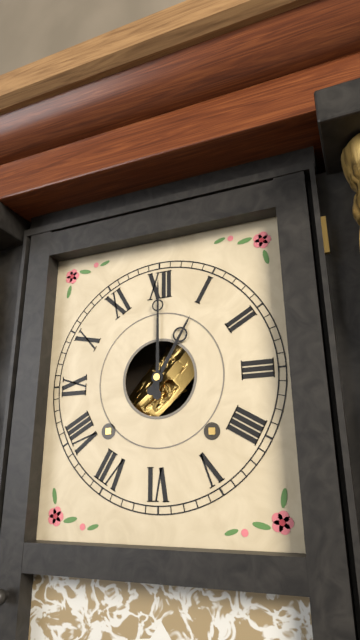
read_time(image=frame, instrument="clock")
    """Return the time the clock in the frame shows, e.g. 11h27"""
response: 1h00
